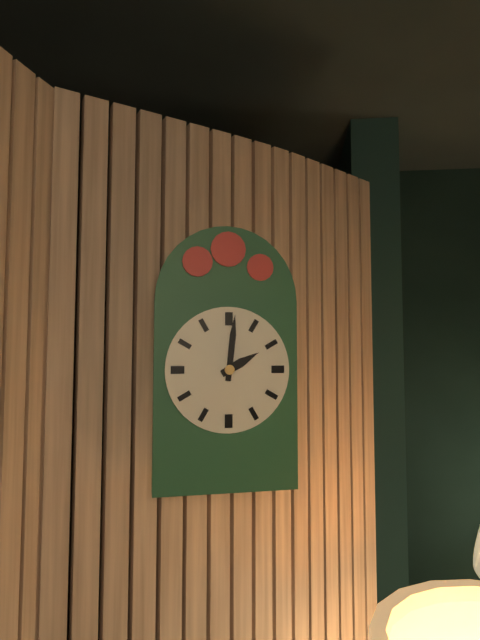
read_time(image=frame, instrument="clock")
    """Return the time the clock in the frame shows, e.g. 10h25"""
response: 2h01
